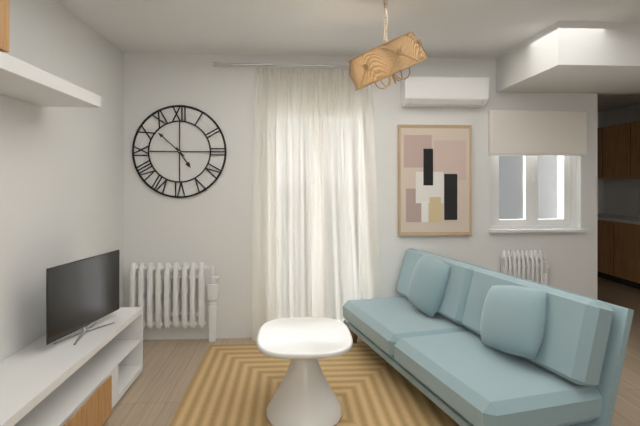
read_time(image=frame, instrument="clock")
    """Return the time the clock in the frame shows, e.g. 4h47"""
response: 4h52
